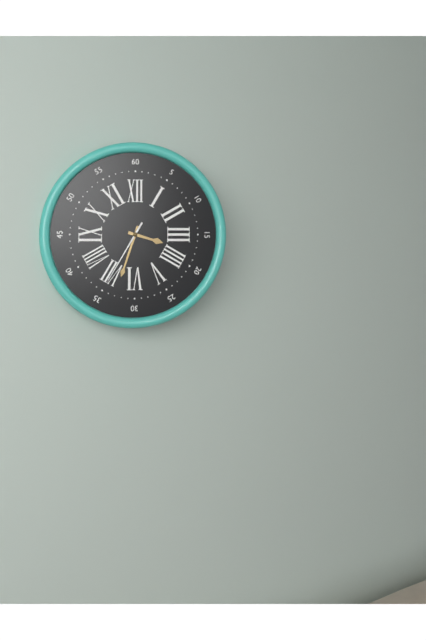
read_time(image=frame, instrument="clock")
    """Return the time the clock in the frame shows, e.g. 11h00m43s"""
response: 3h33m35s
